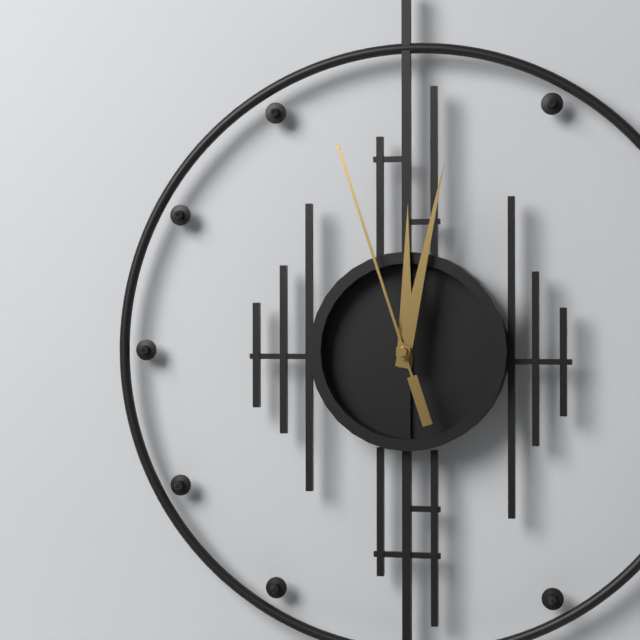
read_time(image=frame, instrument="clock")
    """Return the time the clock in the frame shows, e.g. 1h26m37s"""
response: 12h02m57s
